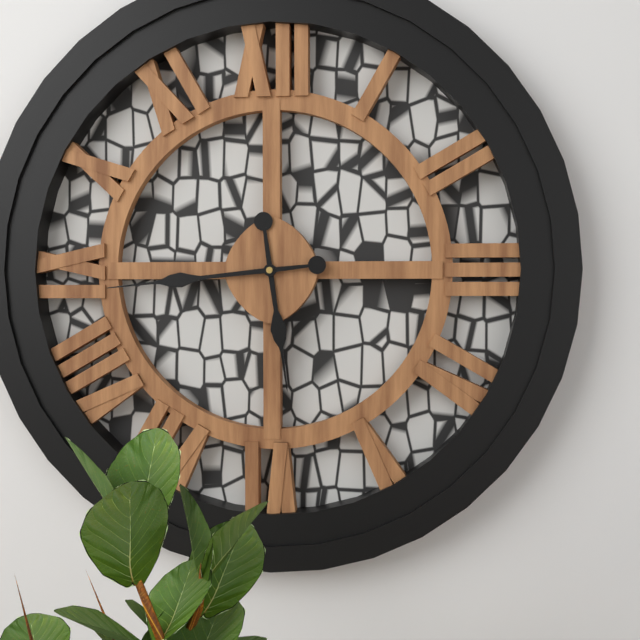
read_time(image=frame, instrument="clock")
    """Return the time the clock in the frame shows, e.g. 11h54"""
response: 5h44
